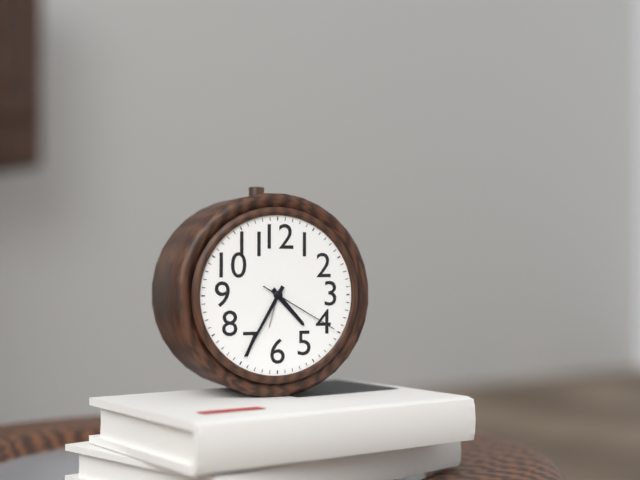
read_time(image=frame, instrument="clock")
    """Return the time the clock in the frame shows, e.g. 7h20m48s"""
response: 4h35m20s
